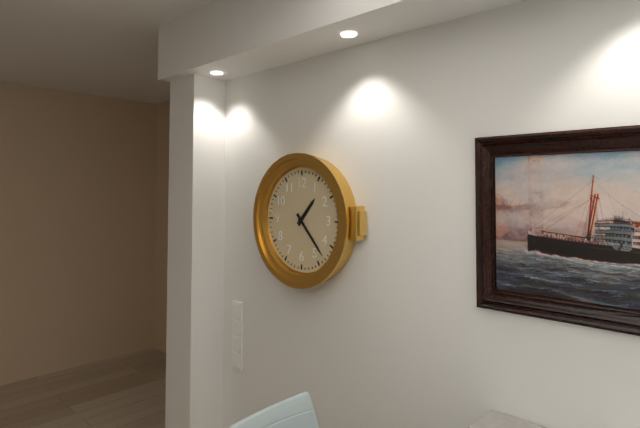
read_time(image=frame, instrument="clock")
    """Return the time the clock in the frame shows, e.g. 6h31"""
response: 1h23
